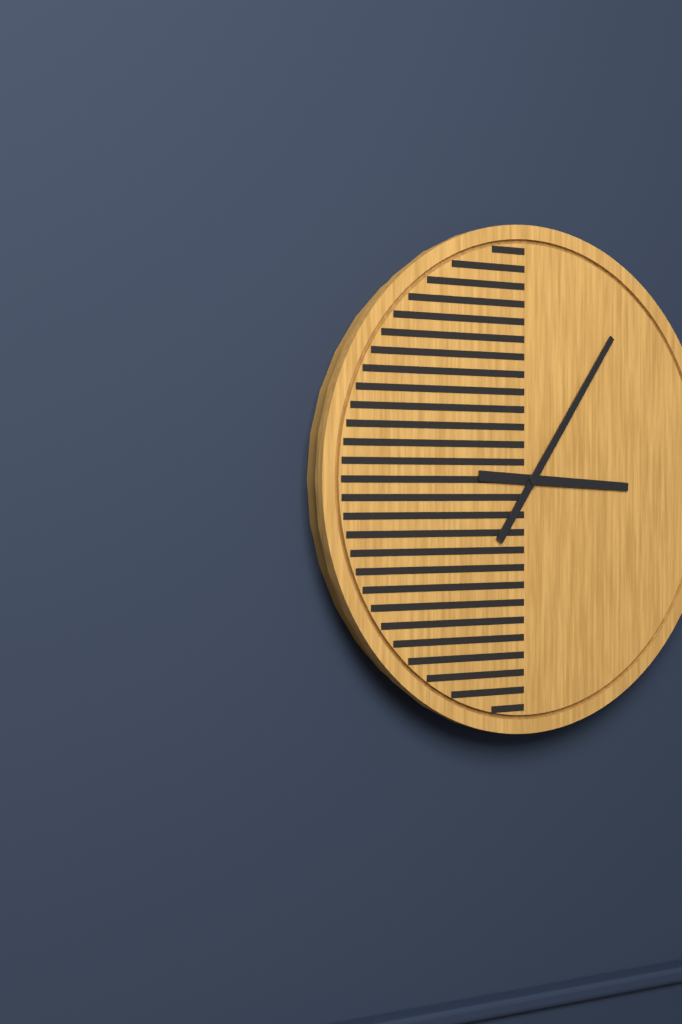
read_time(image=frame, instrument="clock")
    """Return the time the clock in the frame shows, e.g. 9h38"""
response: 3h06
